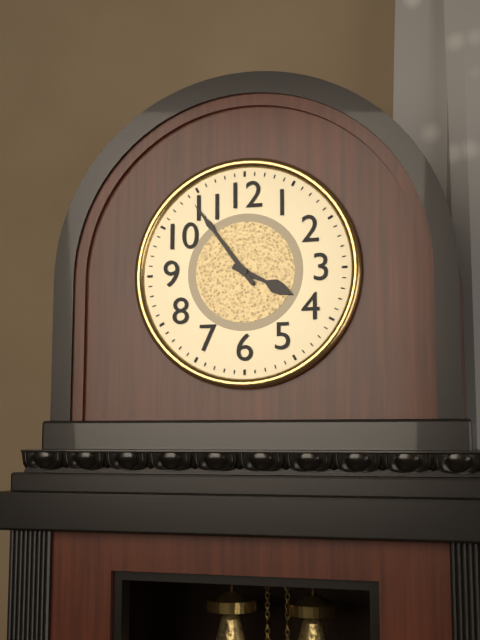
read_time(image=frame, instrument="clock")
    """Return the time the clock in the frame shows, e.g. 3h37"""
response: 3h54
